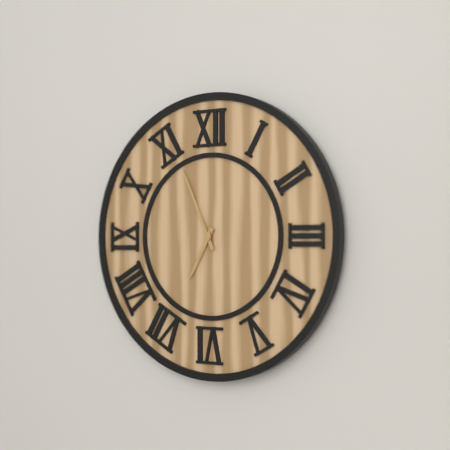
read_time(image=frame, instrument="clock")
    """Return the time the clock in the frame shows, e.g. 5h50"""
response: 6h56
